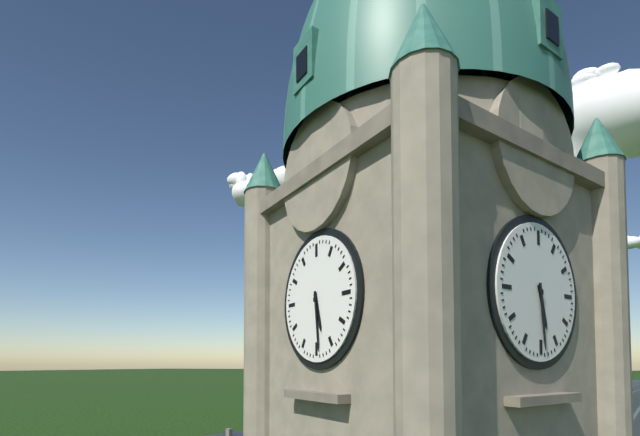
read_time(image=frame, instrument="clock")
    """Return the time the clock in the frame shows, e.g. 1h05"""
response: 5h29
